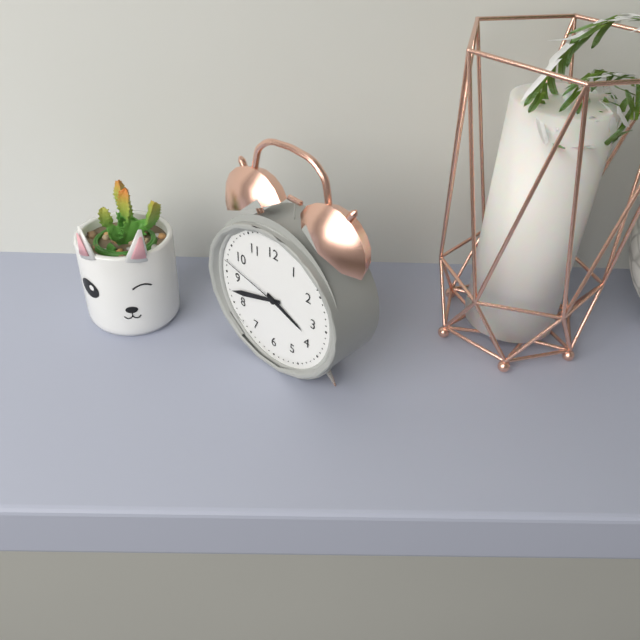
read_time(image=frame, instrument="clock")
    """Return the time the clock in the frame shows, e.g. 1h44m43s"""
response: 3h42m47s
